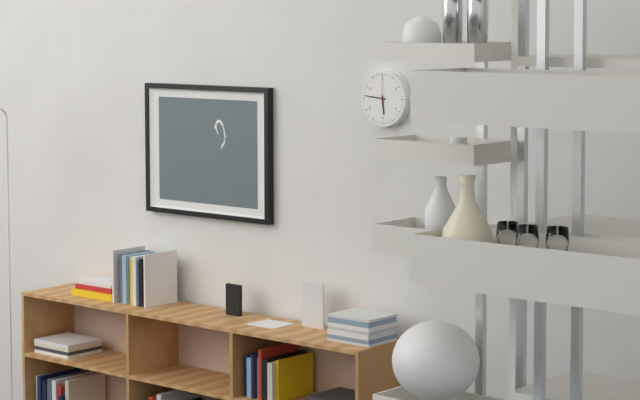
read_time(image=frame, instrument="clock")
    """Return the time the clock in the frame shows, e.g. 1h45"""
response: 5h46
